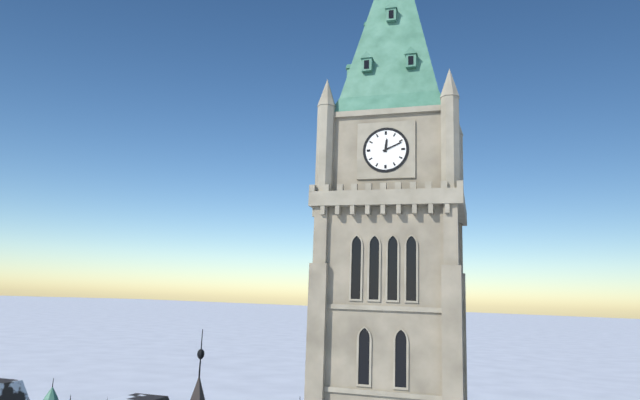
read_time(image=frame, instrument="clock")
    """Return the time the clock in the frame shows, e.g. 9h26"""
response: 12h11
